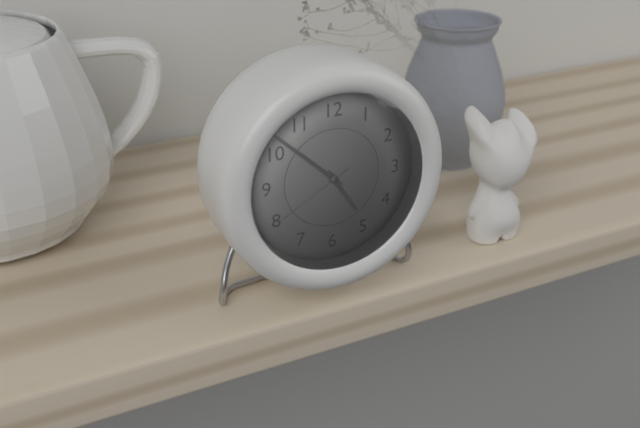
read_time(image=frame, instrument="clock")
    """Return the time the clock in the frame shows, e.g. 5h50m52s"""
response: 4h52m40s
